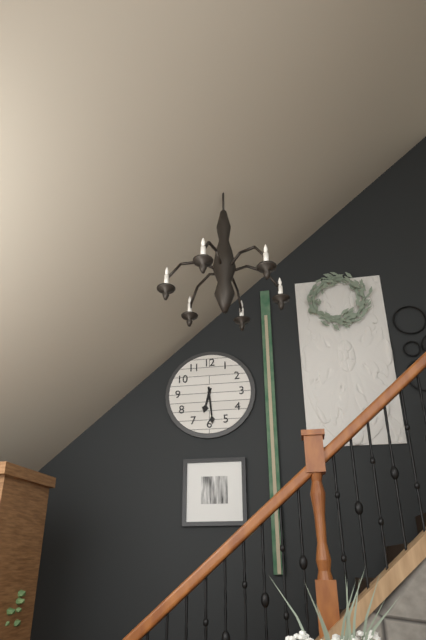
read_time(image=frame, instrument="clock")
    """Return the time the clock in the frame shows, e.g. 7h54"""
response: 6h29
